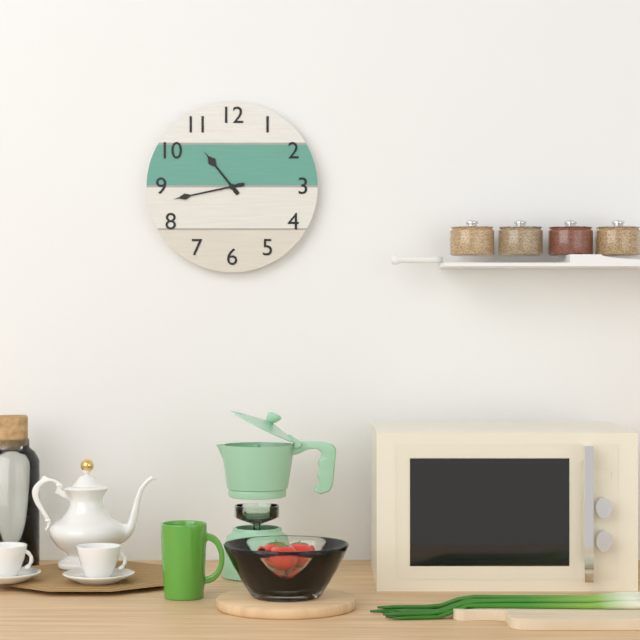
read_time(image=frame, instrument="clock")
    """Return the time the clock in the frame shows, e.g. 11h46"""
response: 10h43
